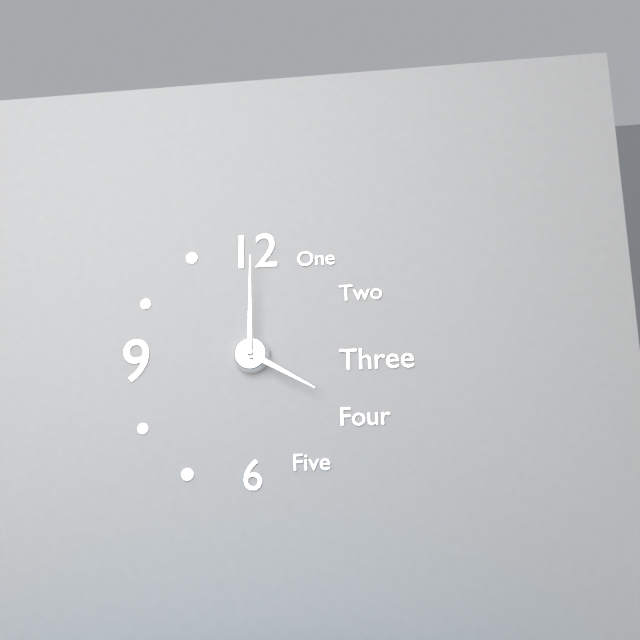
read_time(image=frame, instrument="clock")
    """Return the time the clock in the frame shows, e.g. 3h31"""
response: 4h00
